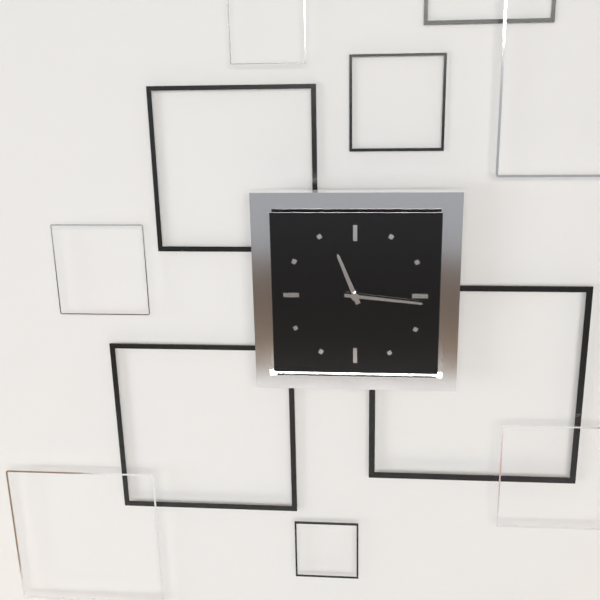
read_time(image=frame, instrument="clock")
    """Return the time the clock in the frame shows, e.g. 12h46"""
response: 11h16
